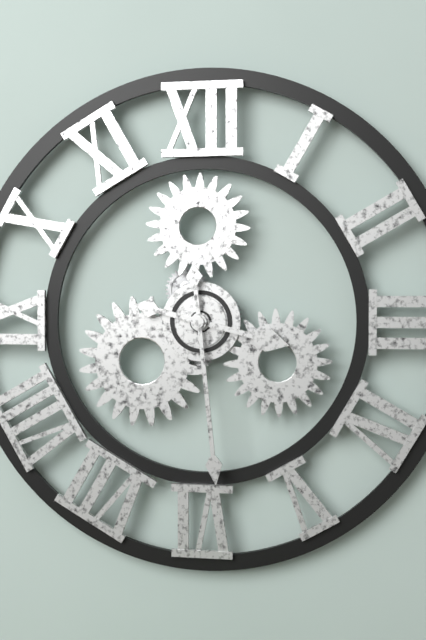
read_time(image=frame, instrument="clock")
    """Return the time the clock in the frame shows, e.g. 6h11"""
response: 3h29
